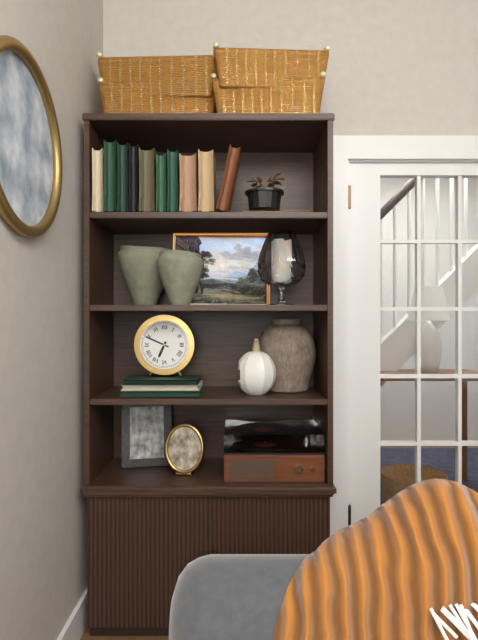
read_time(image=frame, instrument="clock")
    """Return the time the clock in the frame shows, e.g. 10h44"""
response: 6h49
